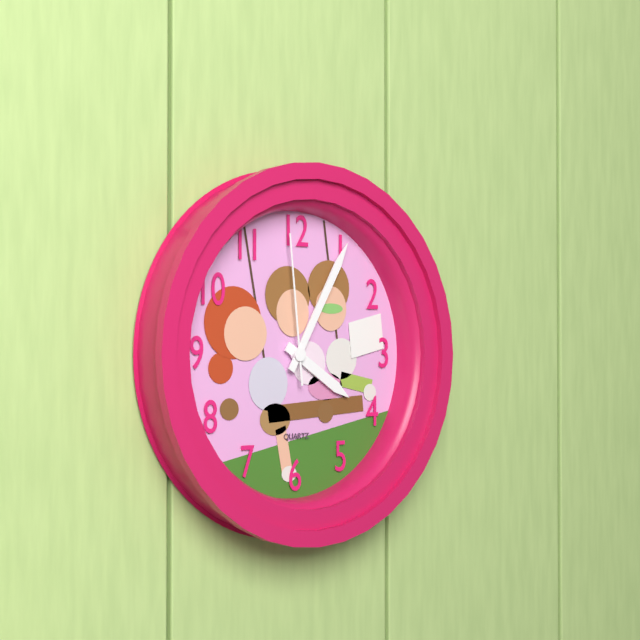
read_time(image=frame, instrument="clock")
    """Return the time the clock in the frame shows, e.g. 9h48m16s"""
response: 4h05m59s
